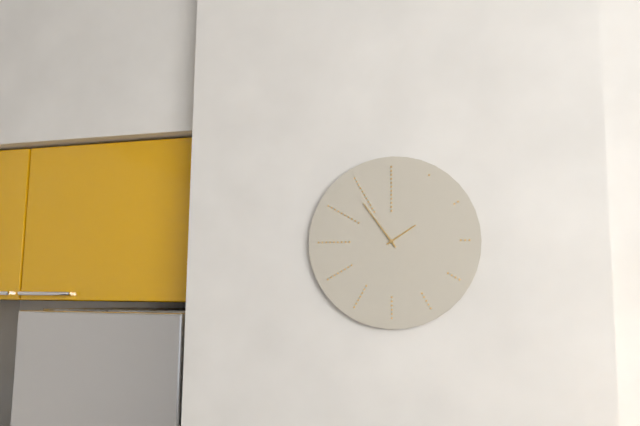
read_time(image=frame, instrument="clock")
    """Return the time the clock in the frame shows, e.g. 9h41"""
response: 1h54
